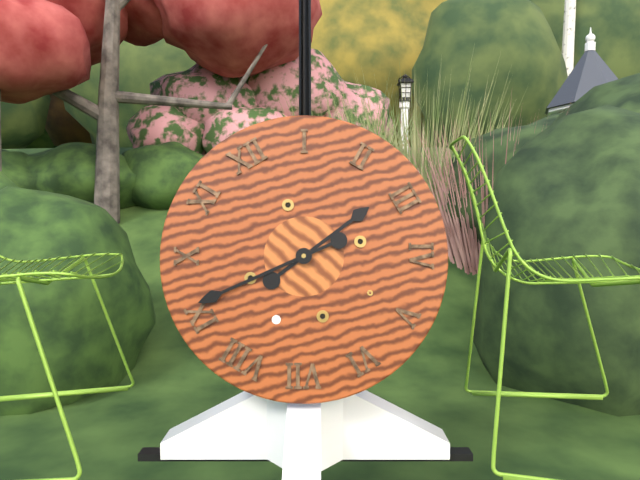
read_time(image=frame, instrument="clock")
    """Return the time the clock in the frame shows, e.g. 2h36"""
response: 2h46
